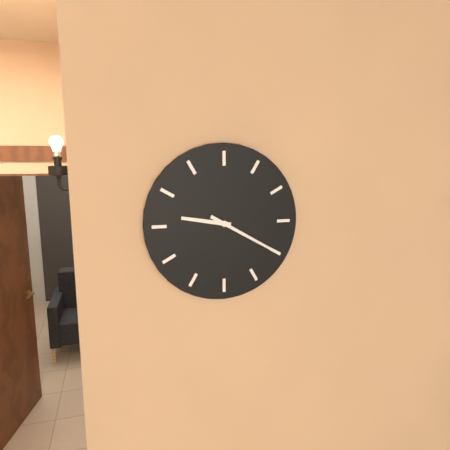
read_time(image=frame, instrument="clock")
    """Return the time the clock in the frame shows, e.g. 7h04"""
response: 9h20
